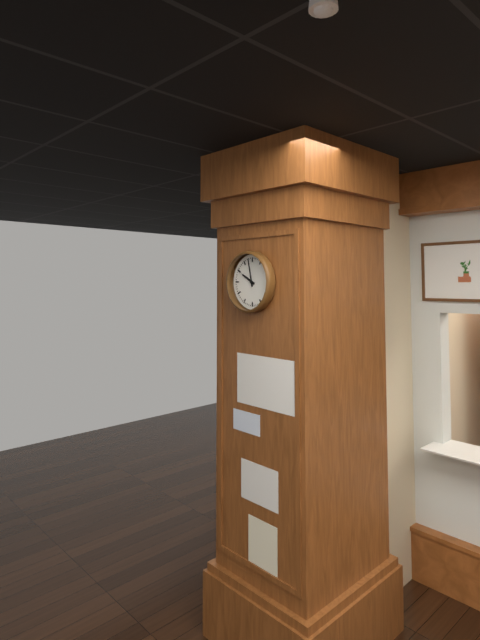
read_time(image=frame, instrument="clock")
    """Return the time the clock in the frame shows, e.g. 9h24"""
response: 9h58
